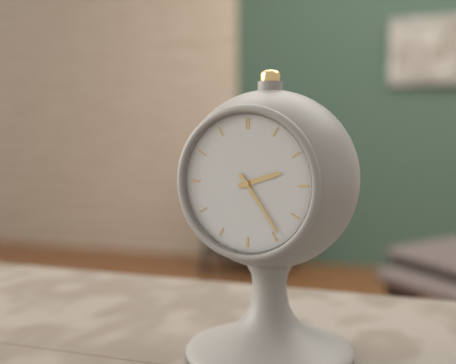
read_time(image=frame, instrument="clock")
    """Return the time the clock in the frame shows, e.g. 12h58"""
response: 2h24
